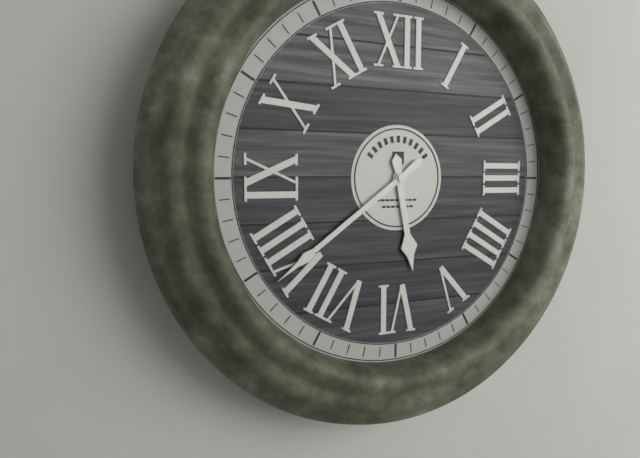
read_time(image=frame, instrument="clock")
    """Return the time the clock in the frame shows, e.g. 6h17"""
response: 5h39
